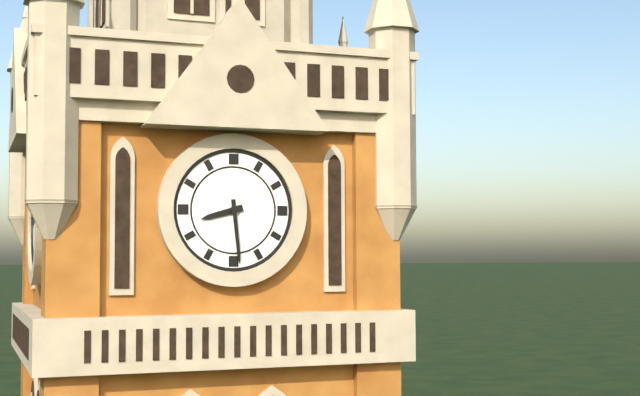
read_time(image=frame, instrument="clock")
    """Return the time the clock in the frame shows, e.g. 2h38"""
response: 8h29
